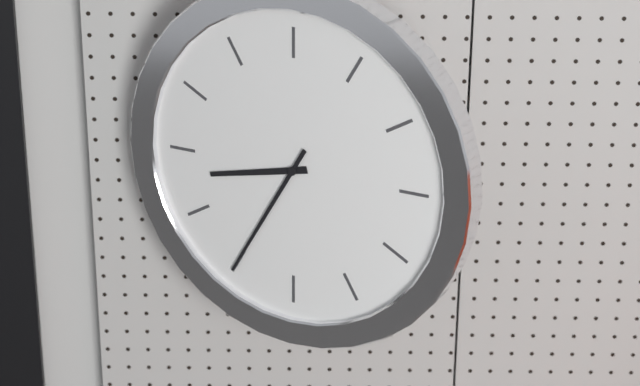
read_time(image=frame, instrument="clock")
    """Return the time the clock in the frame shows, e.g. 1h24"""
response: 8h35
